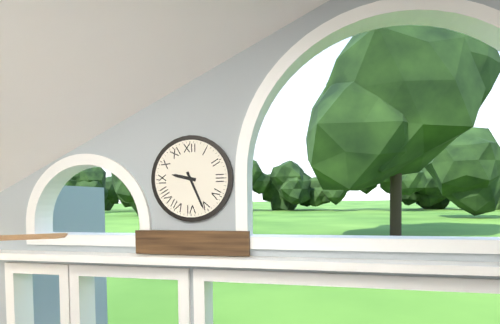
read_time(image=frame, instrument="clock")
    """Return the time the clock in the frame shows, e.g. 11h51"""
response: 9h26
